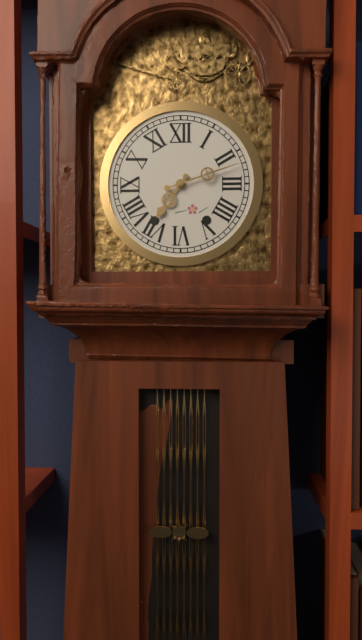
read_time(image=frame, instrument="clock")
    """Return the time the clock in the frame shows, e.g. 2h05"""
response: 7h12
